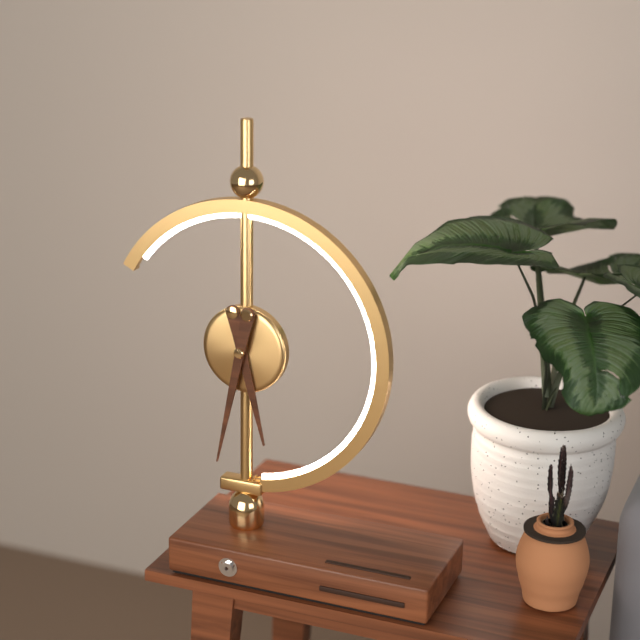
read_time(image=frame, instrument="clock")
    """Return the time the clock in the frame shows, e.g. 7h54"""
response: 5h32
